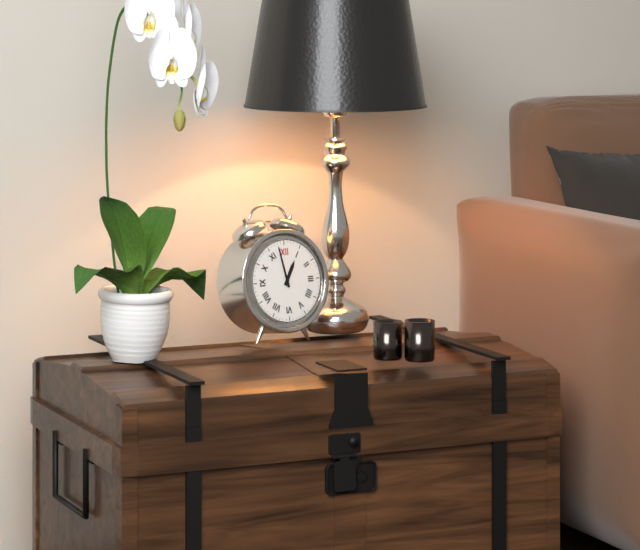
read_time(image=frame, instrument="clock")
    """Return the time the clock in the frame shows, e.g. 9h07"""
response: 12h58
